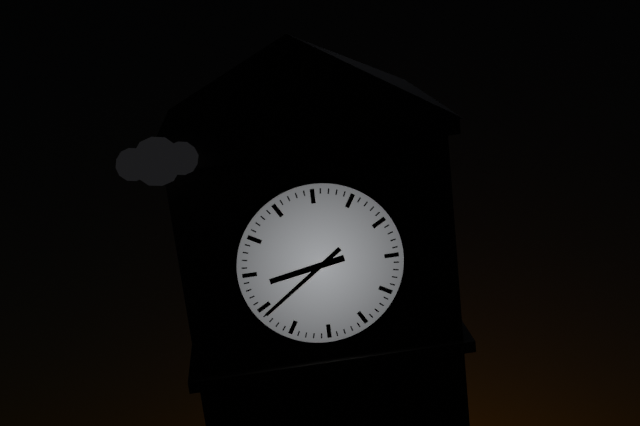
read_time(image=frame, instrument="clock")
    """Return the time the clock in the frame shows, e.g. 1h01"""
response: 8h39
